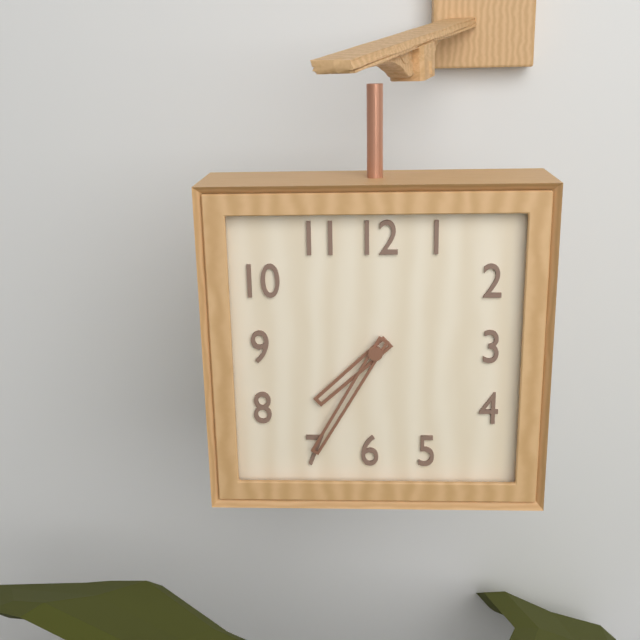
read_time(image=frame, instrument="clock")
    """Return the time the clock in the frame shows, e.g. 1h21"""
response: 7h35
